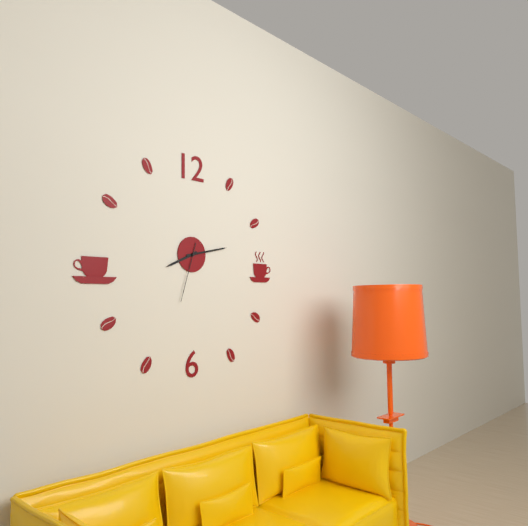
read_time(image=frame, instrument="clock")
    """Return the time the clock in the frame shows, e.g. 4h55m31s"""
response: 8h13m33s
